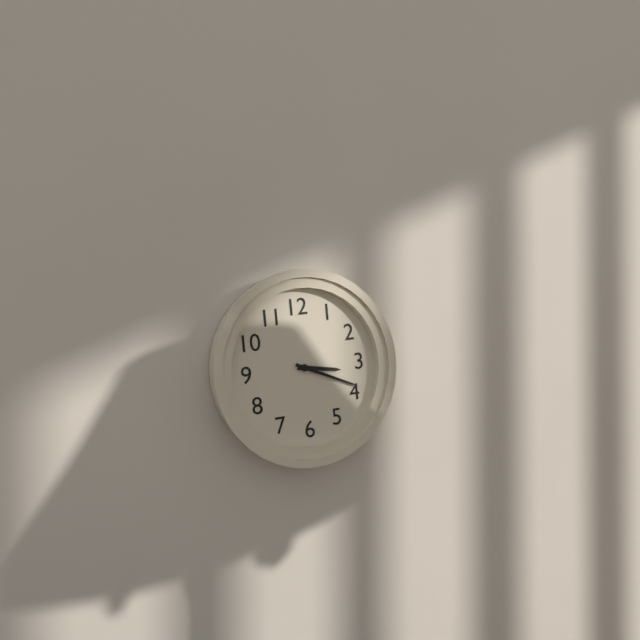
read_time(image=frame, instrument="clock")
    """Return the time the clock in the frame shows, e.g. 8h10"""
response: 3h19
